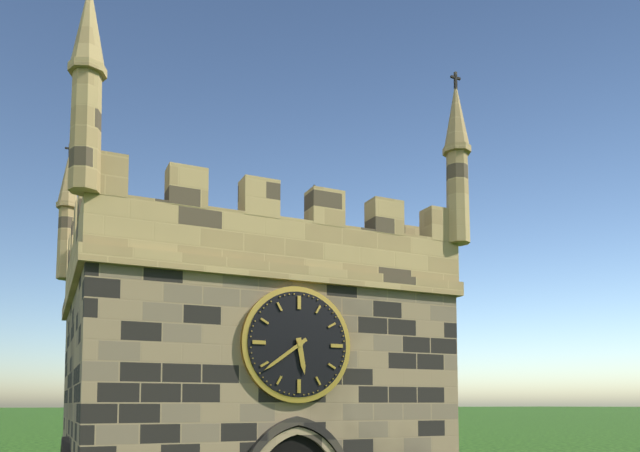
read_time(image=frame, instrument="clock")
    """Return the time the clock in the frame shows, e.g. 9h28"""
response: 5h39
